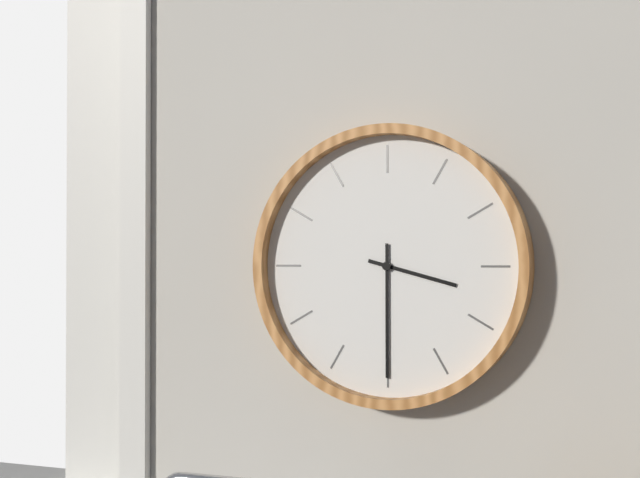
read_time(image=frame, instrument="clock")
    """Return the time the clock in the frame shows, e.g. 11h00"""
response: 3h30
